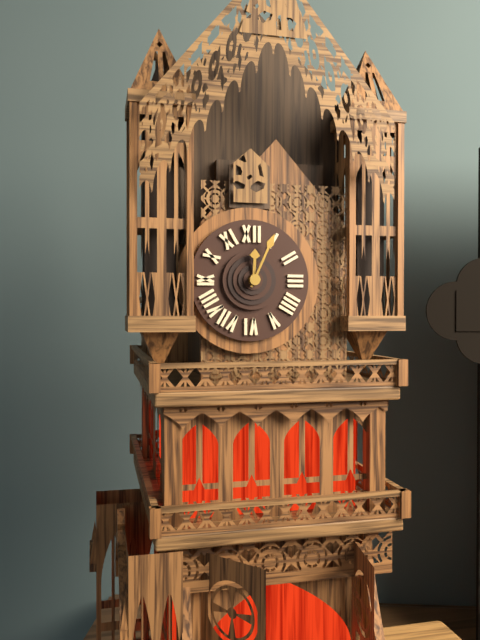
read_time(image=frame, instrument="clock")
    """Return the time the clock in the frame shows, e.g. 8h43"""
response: 12h04
